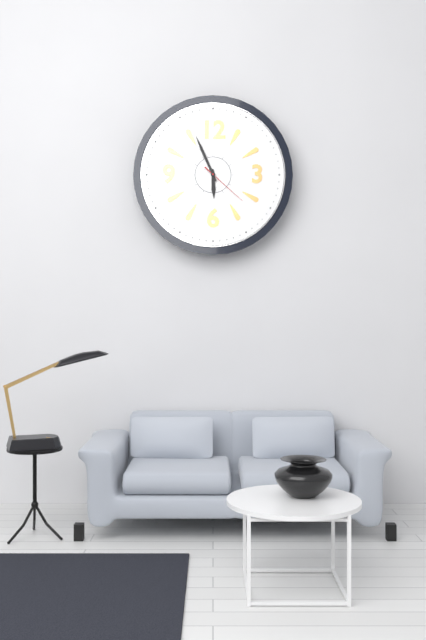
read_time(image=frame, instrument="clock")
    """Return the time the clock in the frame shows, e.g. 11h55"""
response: 5h56
